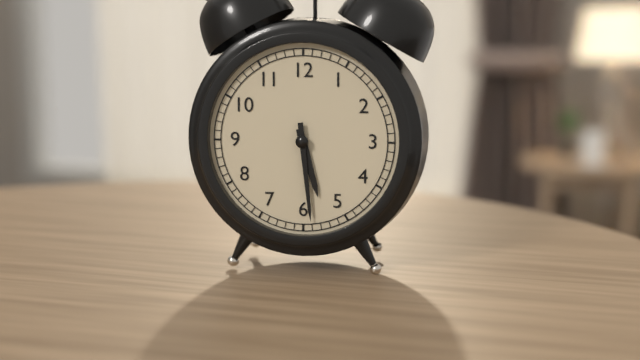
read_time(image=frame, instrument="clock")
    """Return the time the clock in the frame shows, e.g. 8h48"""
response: 5h29
